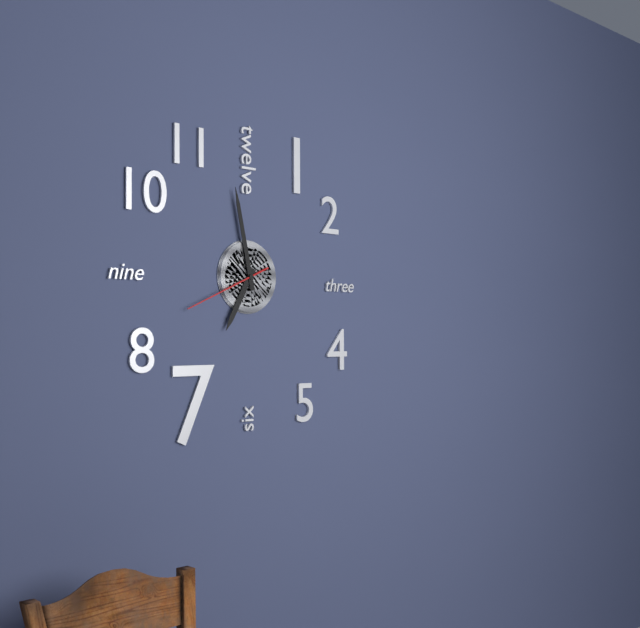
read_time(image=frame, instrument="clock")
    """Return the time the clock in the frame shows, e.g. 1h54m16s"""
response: 6h58m41s
